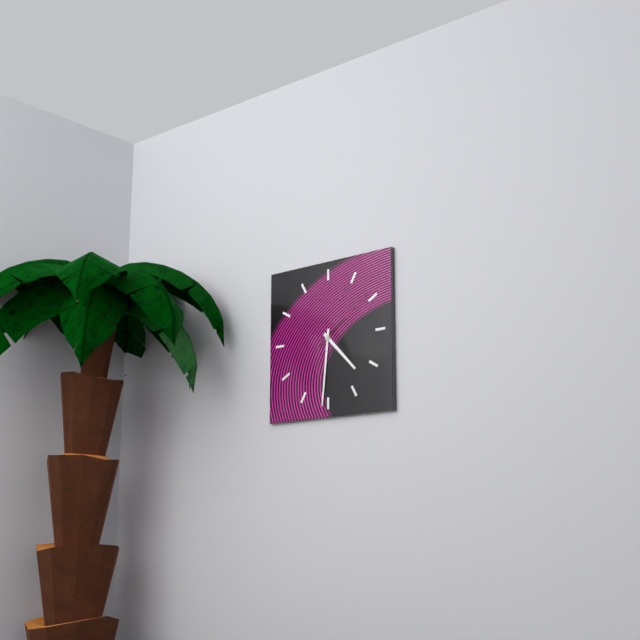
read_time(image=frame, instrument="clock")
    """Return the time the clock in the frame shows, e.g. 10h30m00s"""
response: 4h31m09s
